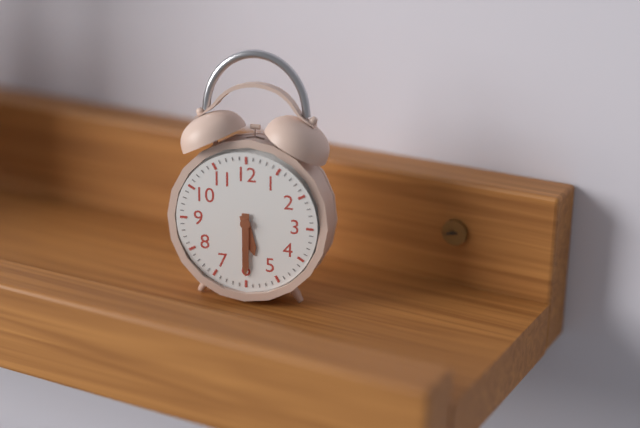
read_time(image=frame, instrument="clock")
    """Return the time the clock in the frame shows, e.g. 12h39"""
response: 5h30
